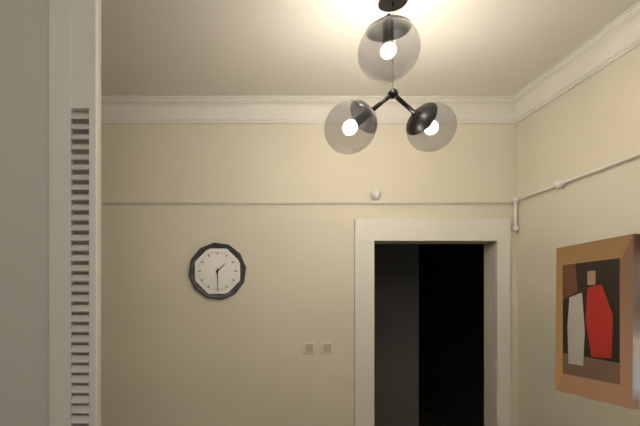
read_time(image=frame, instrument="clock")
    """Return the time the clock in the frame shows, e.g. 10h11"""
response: 1h30
